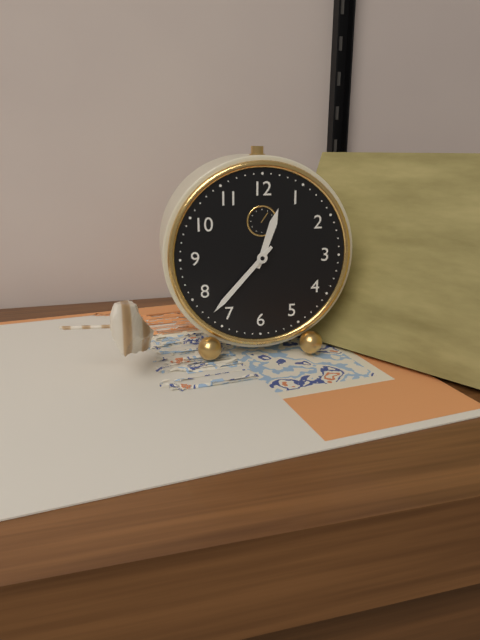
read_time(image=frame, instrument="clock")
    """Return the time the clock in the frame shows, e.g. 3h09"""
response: 12h37
